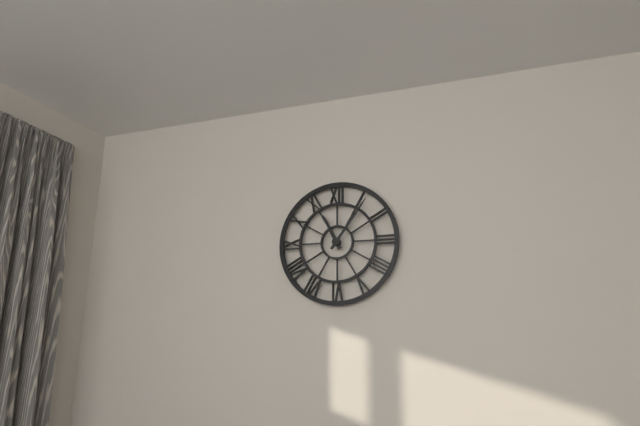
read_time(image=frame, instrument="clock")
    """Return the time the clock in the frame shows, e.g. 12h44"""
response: 11h06
